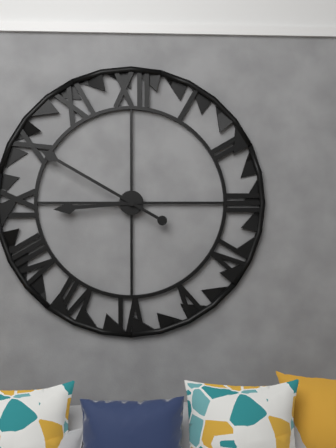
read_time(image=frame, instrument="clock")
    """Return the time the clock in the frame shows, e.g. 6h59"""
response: 8h50
